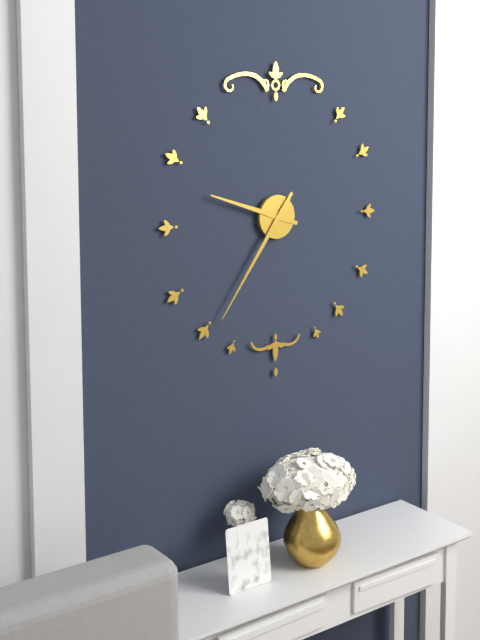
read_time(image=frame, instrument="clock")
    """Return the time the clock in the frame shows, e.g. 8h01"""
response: 9h36
